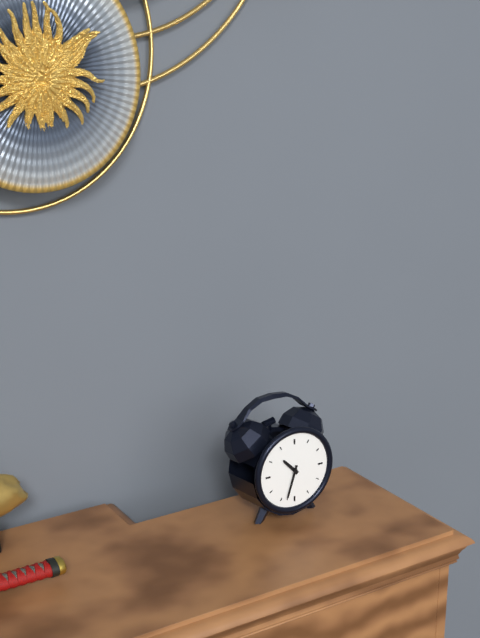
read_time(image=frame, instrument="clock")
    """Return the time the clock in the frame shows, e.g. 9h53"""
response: 10h33
